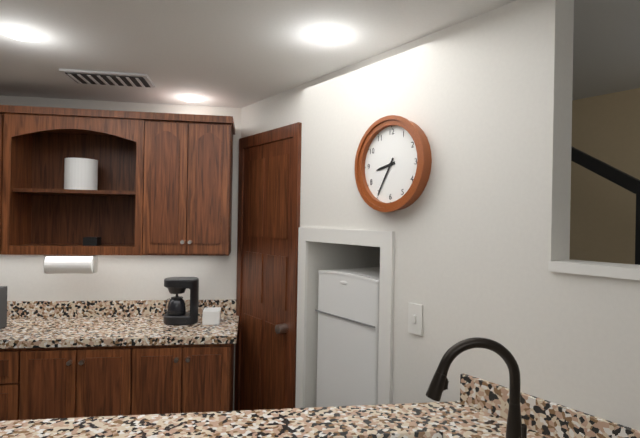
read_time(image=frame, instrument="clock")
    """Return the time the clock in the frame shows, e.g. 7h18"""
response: 8h35
